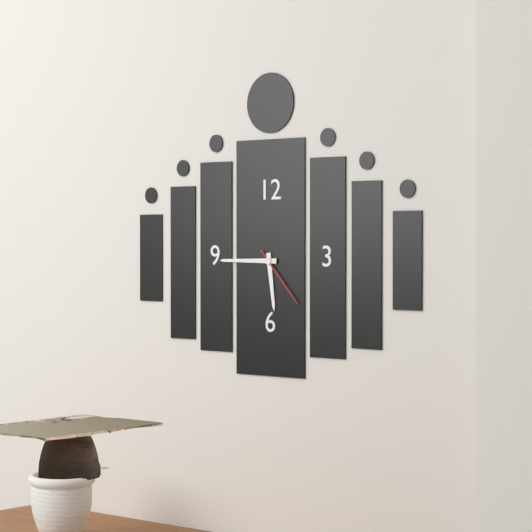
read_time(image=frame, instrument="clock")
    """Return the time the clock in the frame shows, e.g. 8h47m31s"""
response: 5h45m23s
